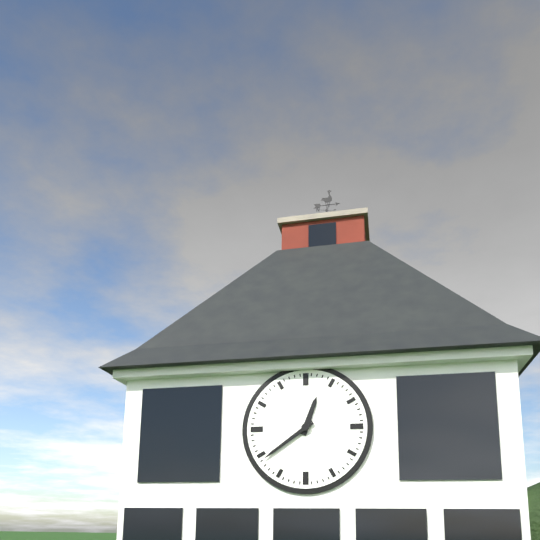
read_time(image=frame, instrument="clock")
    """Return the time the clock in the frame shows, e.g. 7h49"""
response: 12h39
